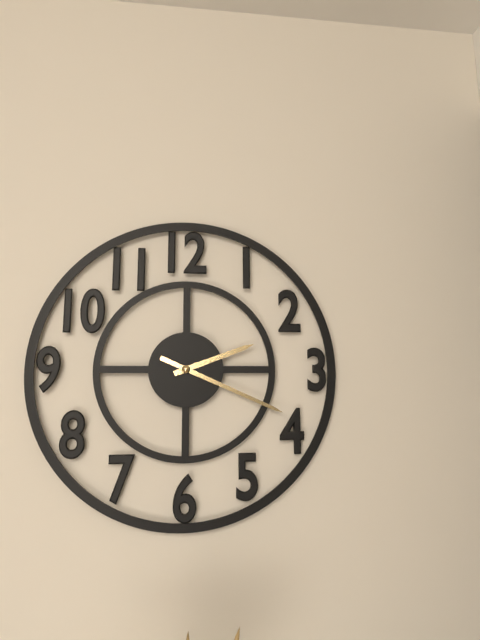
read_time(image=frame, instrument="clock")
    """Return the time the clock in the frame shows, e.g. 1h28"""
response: 2h19
